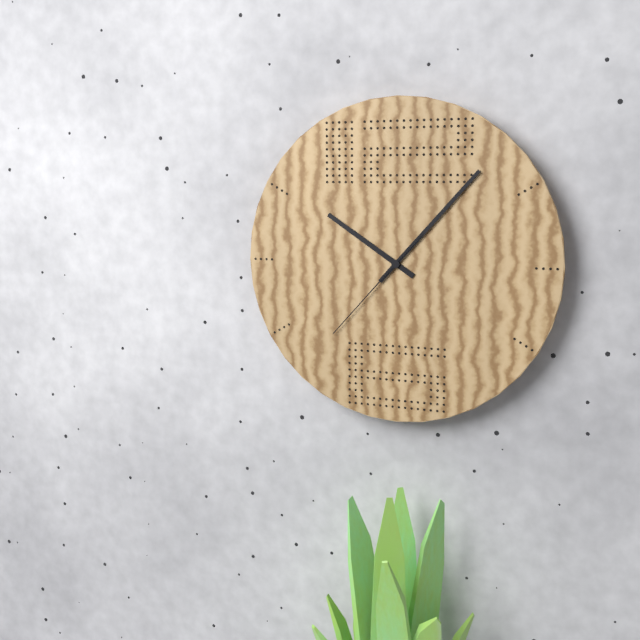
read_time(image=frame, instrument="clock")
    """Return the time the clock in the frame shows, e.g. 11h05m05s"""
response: 10h07m37s
